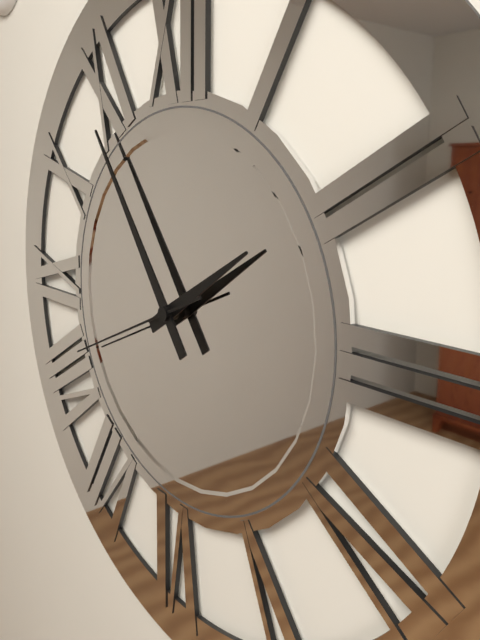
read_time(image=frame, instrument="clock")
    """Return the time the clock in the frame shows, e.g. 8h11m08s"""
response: 1h54m41s
